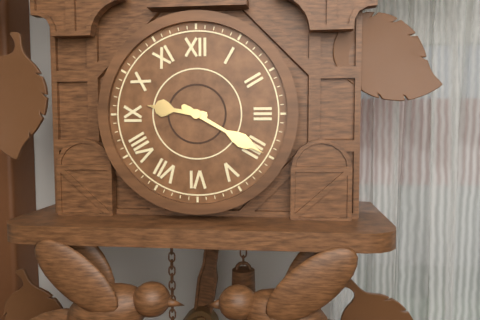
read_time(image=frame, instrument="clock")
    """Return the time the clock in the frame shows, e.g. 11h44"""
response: 9h20
